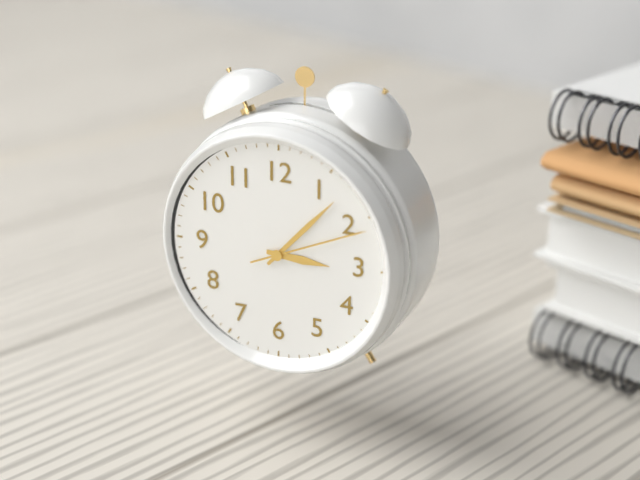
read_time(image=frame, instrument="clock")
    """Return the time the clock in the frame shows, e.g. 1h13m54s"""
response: 3h07m11s
